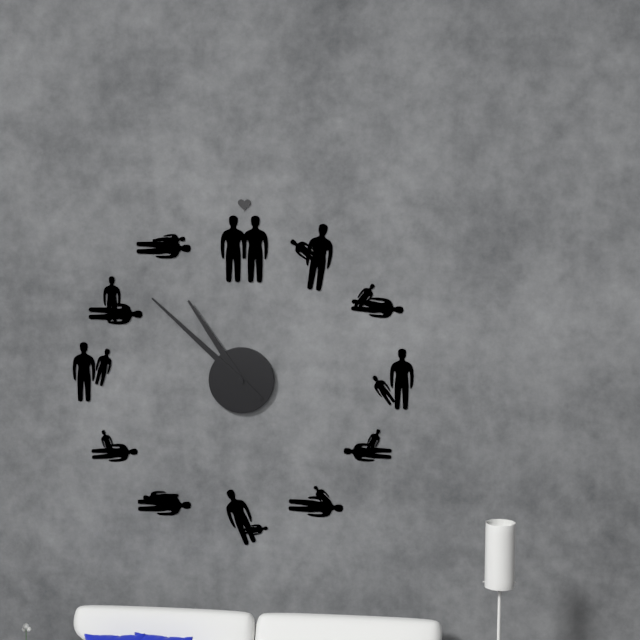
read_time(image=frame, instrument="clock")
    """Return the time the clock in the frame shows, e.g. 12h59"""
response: 10h52
